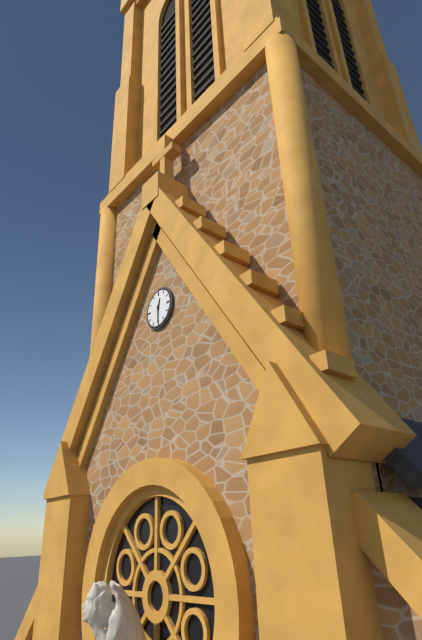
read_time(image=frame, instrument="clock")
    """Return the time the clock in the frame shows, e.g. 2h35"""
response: 12h30
